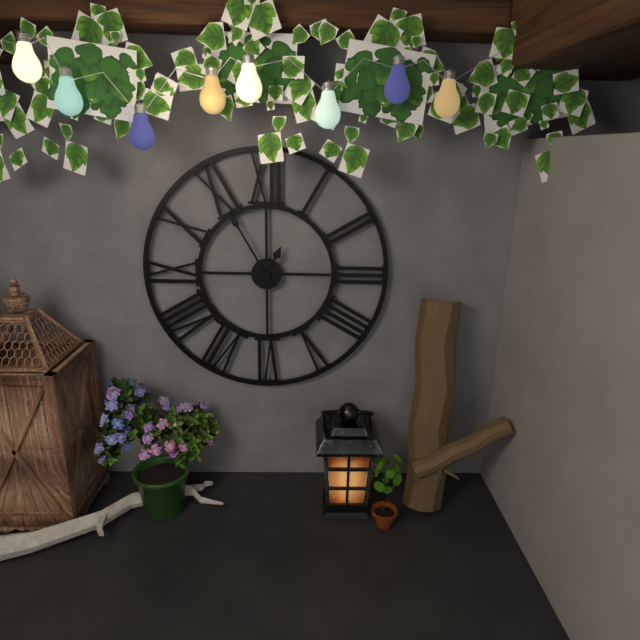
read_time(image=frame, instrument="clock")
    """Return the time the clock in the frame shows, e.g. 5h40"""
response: 12h55
